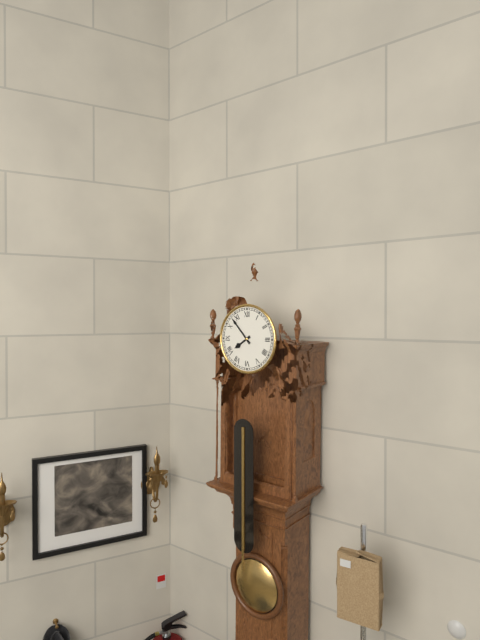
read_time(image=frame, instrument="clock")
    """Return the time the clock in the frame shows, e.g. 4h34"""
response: 7h53
